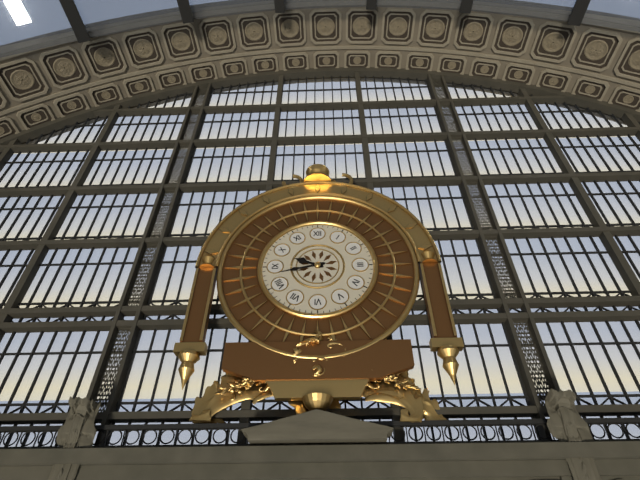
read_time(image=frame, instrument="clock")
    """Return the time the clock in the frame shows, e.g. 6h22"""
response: 9h43
